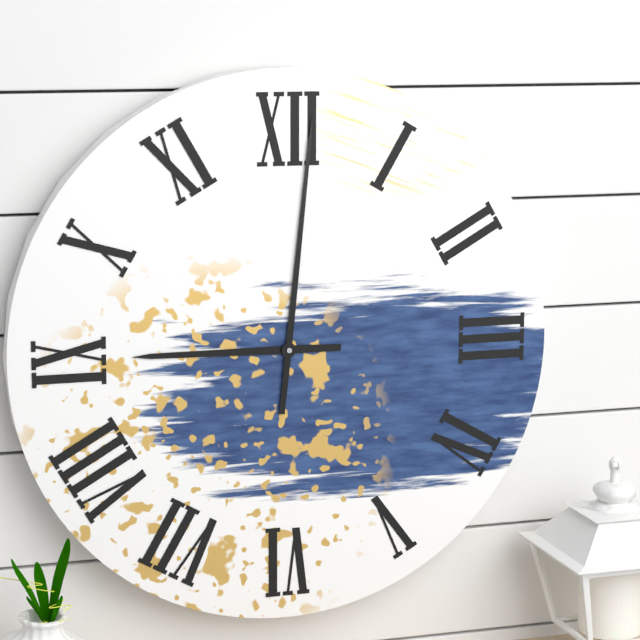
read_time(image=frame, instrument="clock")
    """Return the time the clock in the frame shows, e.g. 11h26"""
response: 9h01
